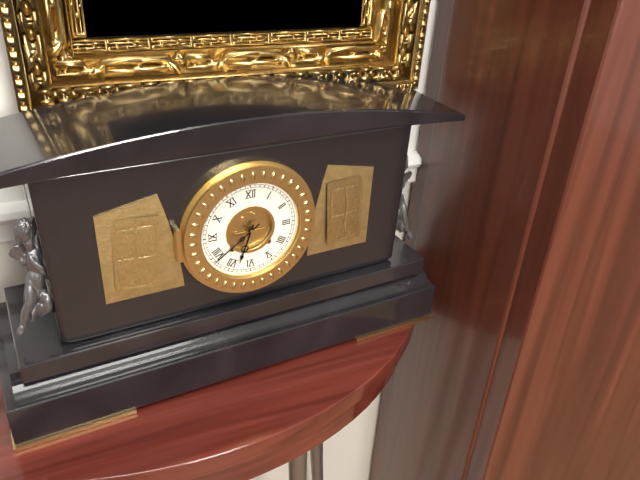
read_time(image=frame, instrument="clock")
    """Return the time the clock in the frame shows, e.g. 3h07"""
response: 6h39
